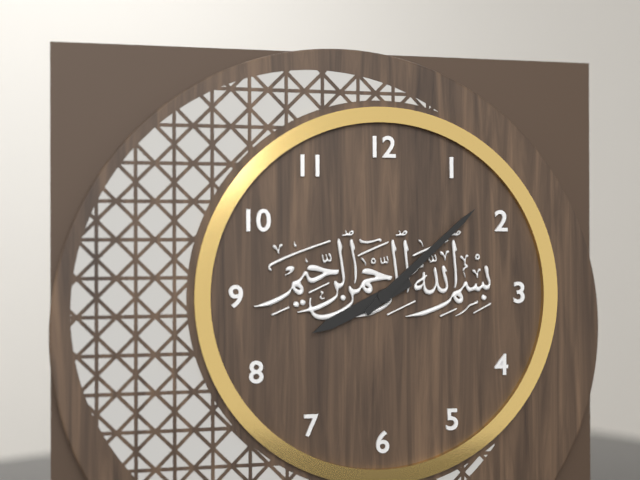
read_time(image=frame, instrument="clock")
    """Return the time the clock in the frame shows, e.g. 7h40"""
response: 8h08
